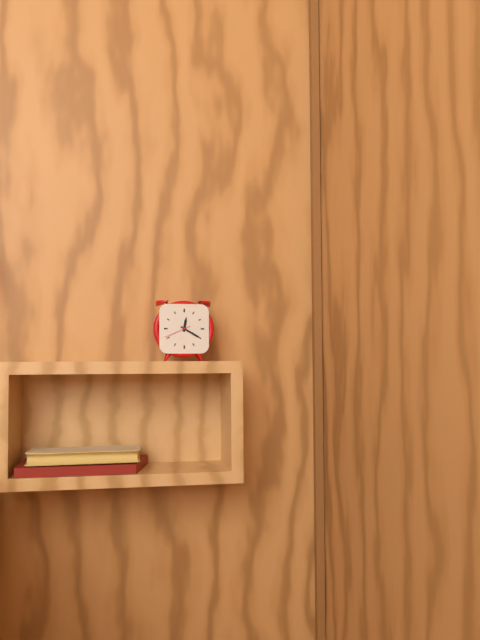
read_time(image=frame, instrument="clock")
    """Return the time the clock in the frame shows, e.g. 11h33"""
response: 12h20
